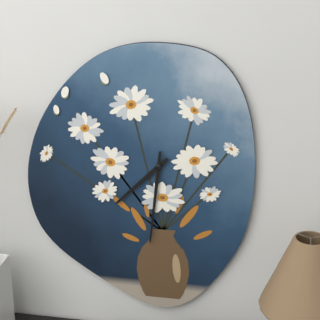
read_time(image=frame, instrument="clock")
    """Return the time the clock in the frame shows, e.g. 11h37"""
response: 7h31
